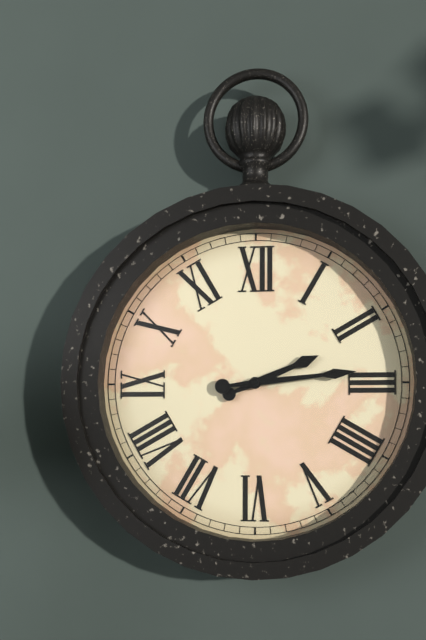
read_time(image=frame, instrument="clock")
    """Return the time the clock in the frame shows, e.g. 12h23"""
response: 2h14
